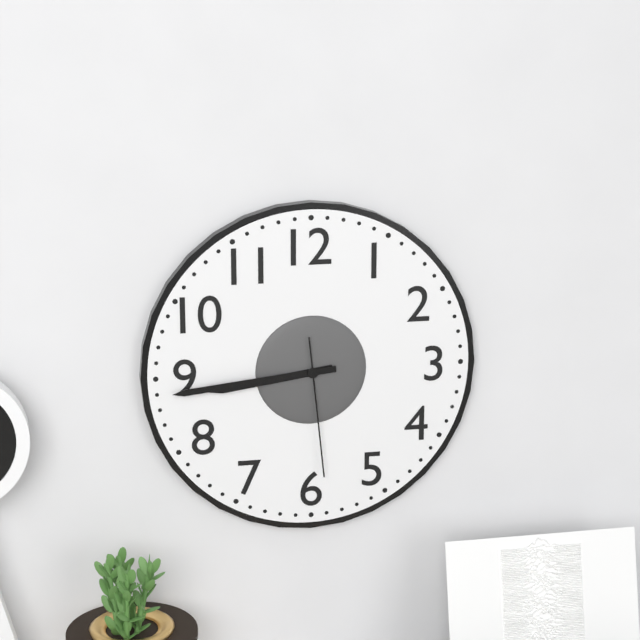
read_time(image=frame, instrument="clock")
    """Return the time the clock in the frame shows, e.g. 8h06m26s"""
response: 8h44m29s
